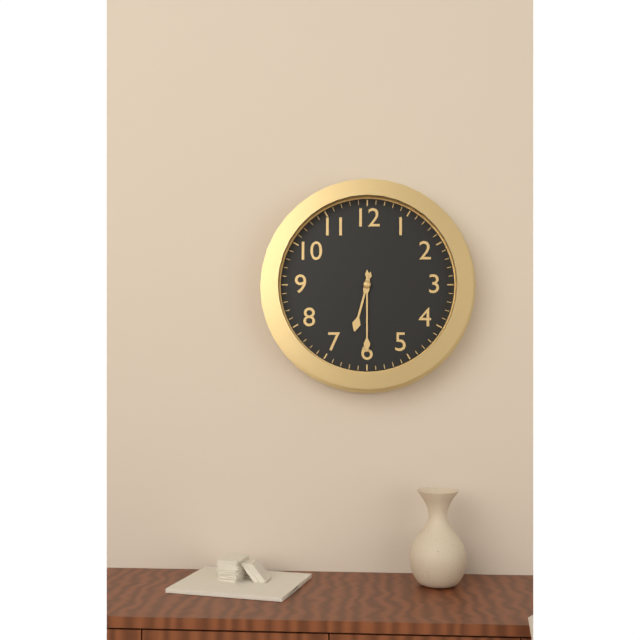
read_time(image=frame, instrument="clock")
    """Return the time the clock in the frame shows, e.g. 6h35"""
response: 6h30
